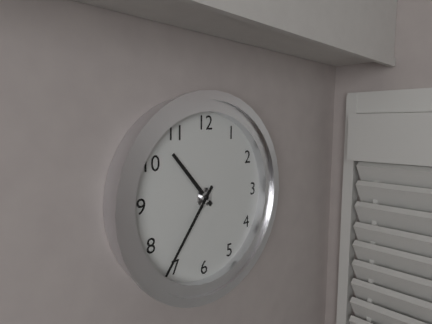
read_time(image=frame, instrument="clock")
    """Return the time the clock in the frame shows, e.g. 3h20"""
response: 10h36
